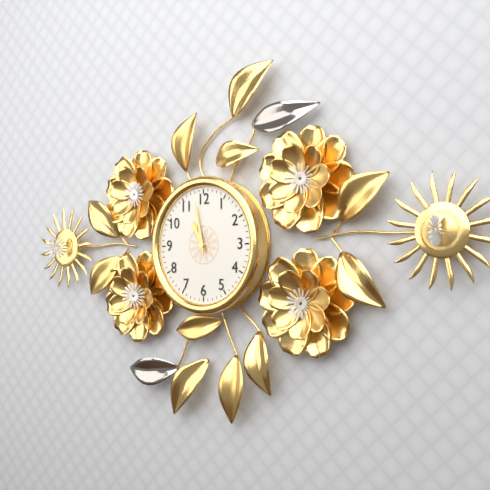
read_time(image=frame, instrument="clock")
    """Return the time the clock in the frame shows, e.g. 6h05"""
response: 10h58
